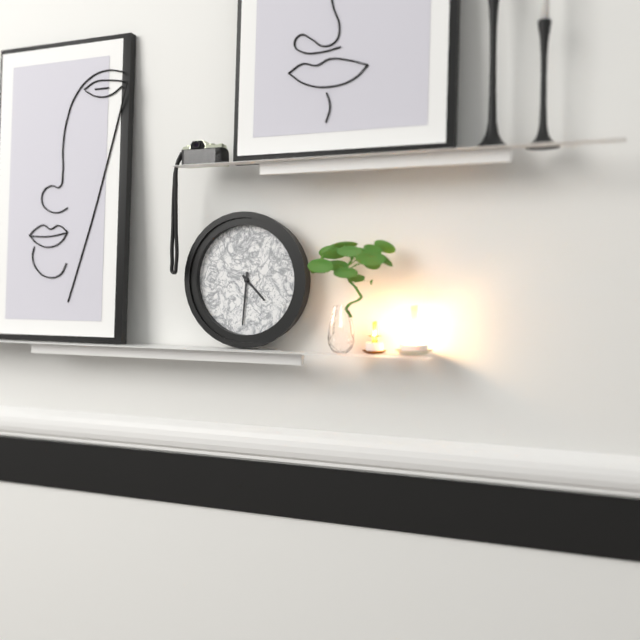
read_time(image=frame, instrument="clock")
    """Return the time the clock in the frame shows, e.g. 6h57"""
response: 4h31
